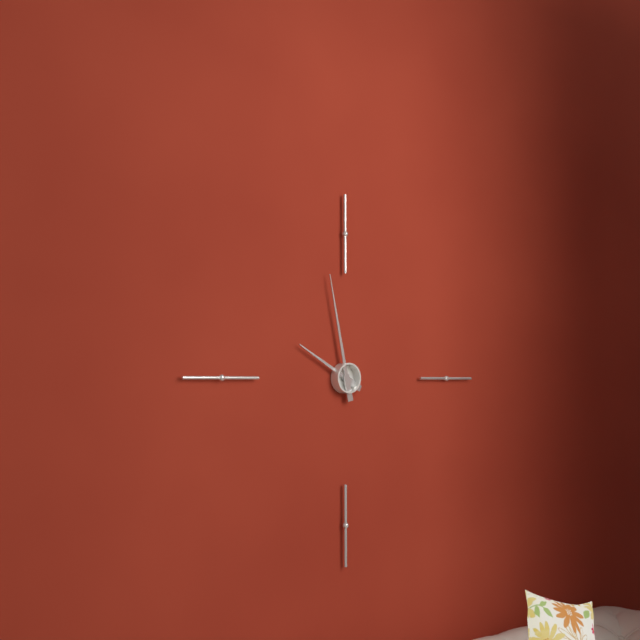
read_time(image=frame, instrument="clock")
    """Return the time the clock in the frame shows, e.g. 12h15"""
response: 9h58
